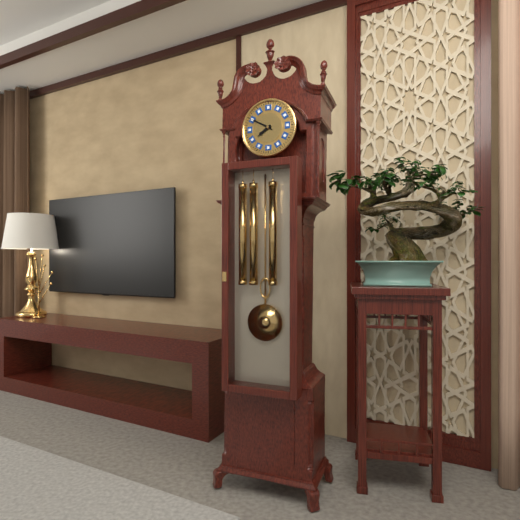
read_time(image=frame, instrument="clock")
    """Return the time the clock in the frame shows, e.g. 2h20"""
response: 7h50
